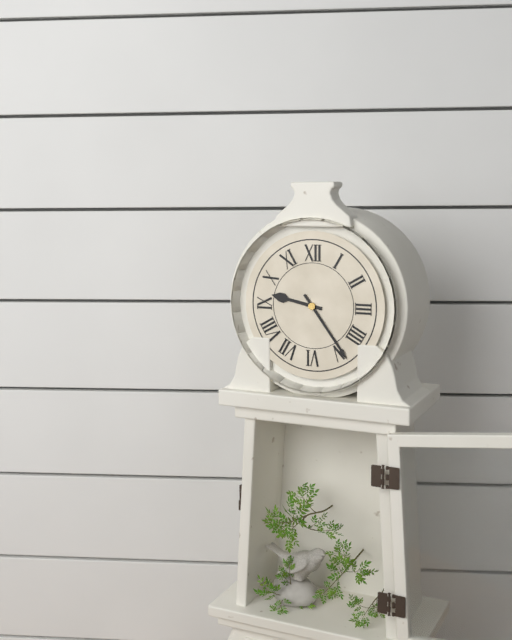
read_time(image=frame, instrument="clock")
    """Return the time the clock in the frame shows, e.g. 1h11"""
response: 9h24
